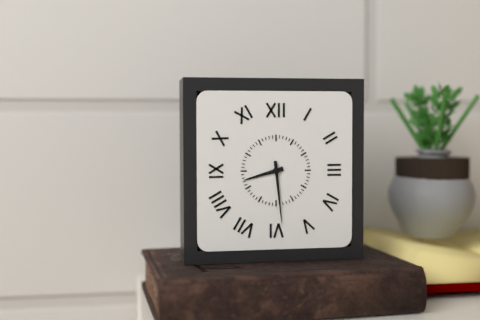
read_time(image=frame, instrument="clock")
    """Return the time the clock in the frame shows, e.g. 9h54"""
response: 8h29
